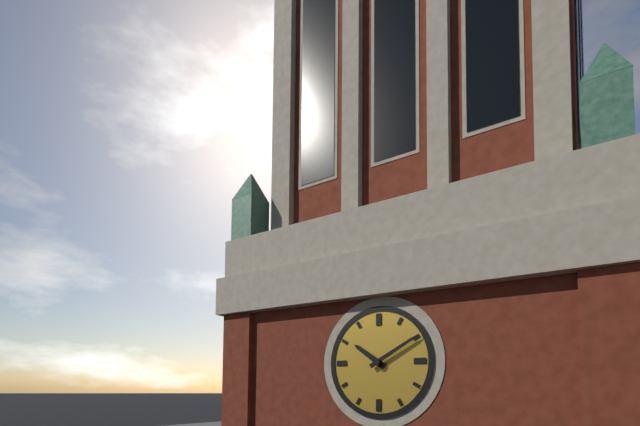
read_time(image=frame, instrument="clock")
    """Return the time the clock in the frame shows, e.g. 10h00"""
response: 10h10
